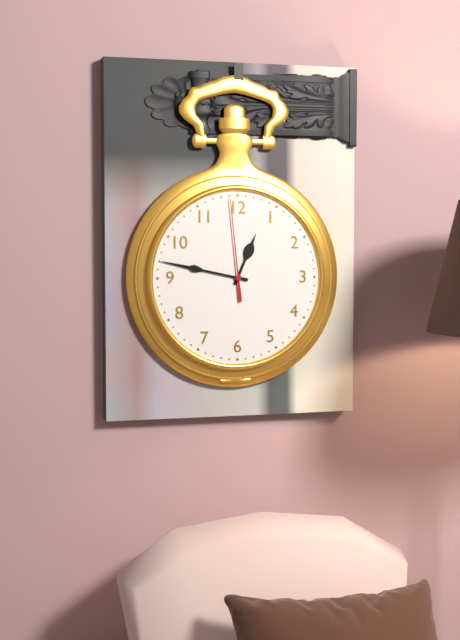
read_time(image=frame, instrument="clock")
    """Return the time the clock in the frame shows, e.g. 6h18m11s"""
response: 12h47m59s
